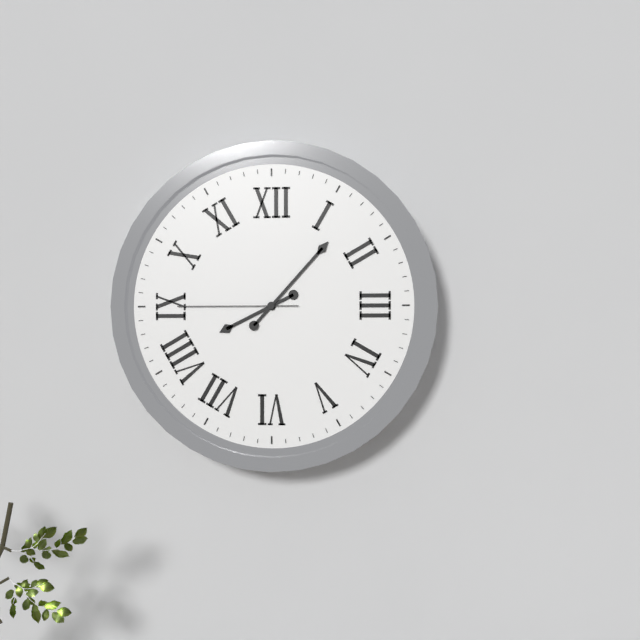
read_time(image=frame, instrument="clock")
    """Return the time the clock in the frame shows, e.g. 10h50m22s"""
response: 8h07m45s
